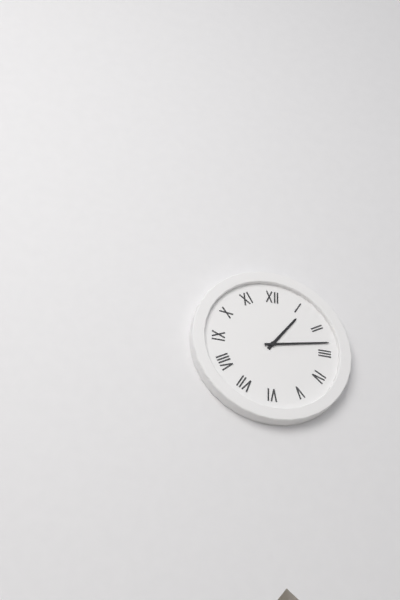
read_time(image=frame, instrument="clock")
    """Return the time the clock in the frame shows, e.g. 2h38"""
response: 1h13
